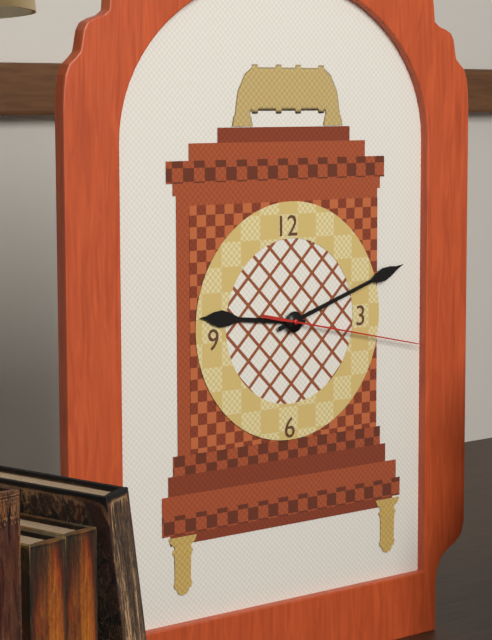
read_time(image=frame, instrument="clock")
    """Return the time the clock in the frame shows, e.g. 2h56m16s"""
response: 9h12m17s
